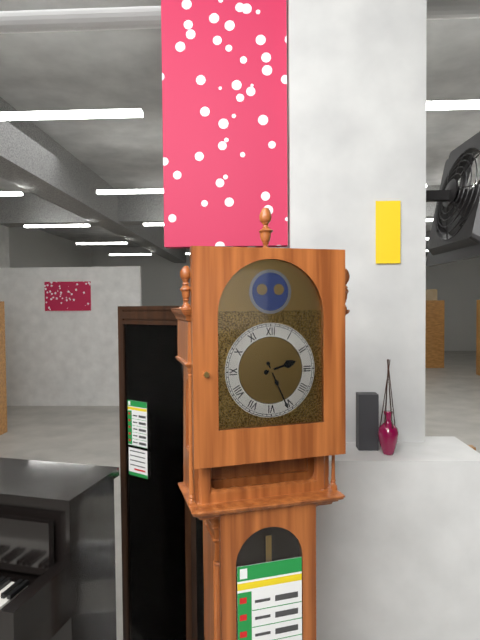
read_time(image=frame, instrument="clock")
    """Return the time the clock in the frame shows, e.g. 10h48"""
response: 2h26
